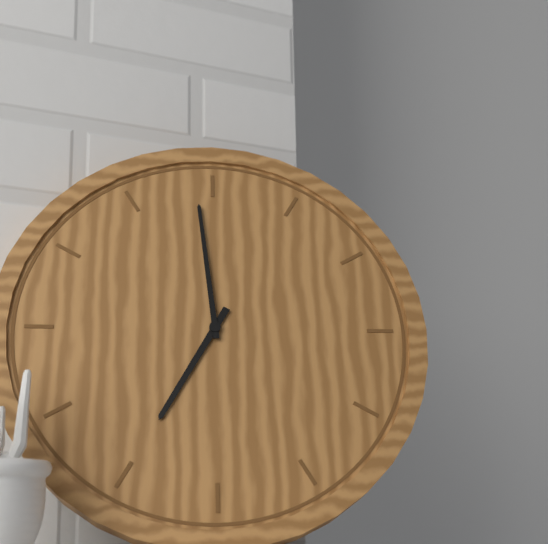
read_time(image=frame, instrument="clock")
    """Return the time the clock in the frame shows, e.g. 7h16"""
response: 6h59
